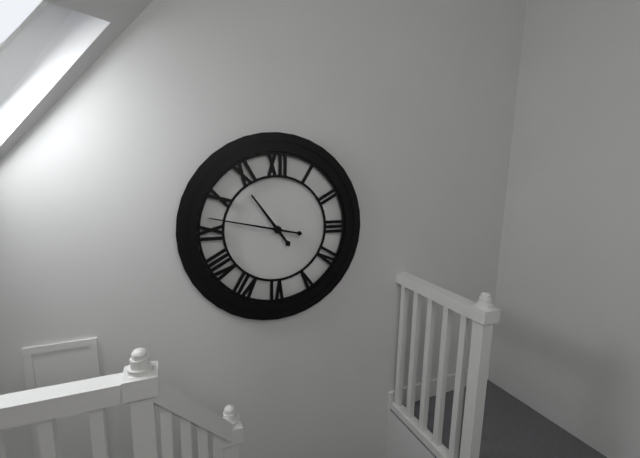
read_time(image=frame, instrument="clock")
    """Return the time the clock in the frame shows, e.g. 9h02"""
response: 10h47
